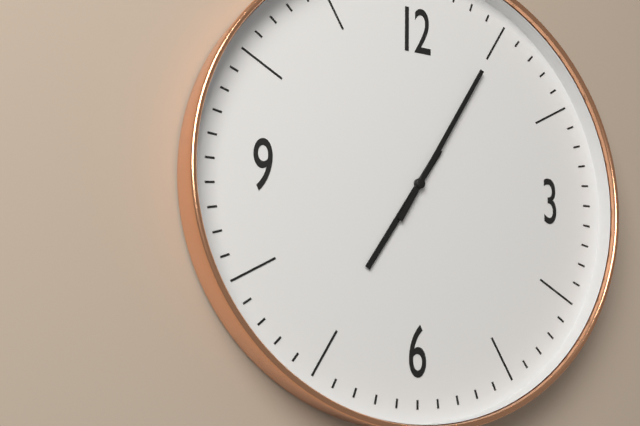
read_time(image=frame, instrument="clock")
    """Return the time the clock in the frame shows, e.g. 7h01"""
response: 7h05
